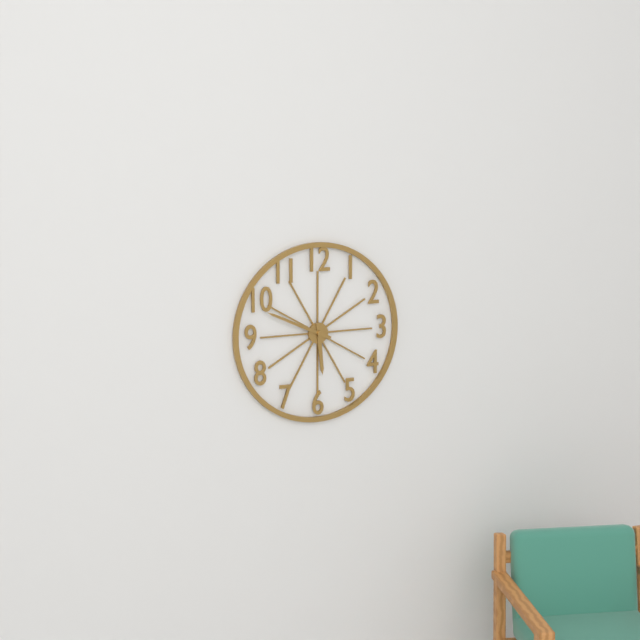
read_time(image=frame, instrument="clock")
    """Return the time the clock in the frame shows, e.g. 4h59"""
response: 5h49
